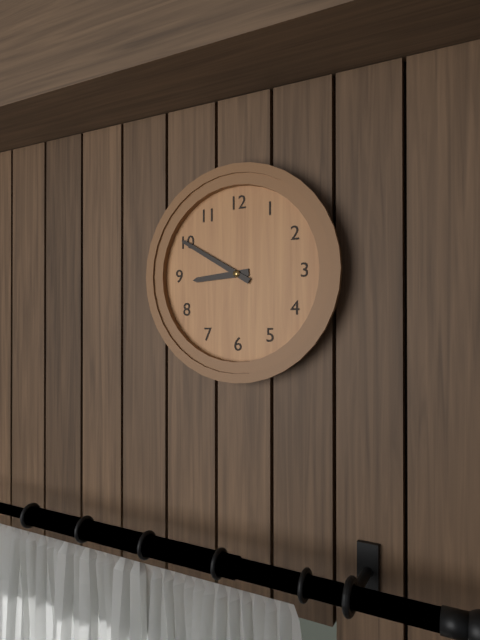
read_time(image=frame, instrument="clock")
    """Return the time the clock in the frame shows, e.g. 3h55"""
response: 8h50
